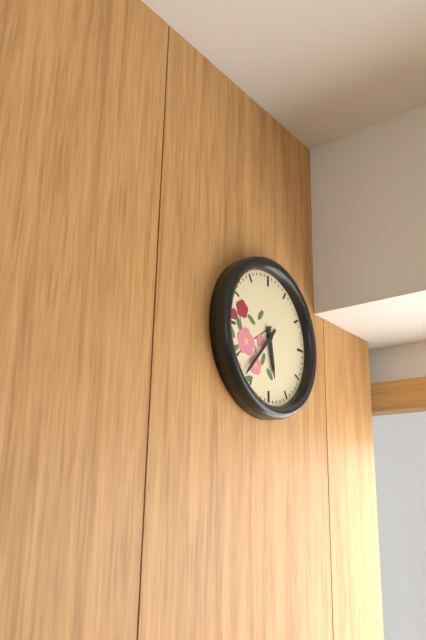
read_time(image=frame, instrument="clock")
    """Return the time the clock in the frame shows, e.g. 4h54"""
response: 5h37
